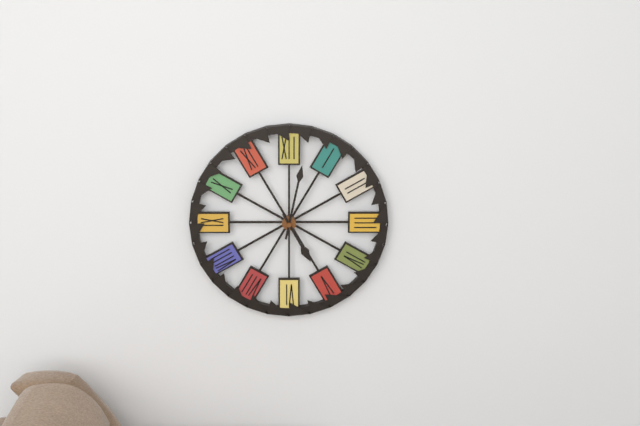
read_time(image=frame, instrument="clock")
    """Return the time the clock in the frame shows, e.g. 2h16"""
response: 5h02
